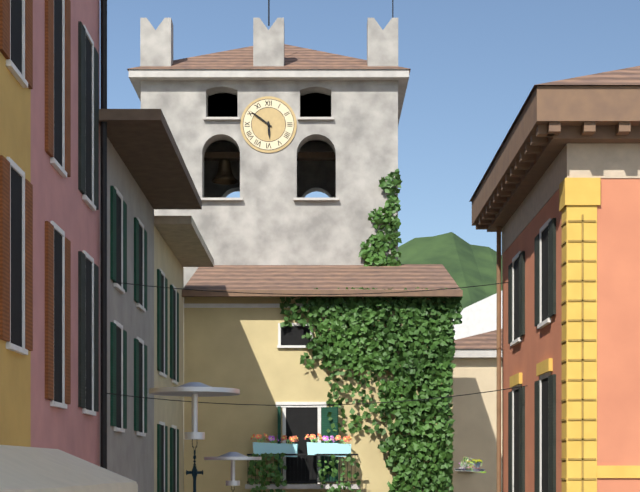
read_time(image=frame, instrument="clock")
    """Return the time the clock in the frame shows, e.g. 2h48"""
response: 5h51
